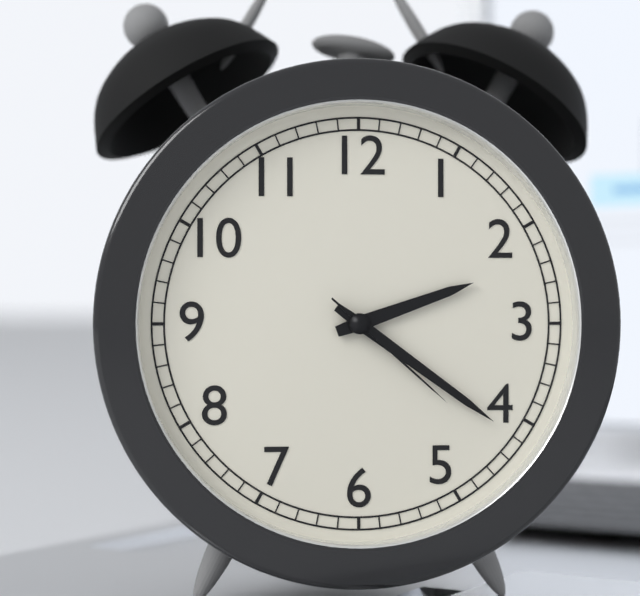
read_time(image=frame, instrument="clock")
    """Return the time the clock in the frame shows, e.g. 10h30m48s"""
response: 2h21m22s
